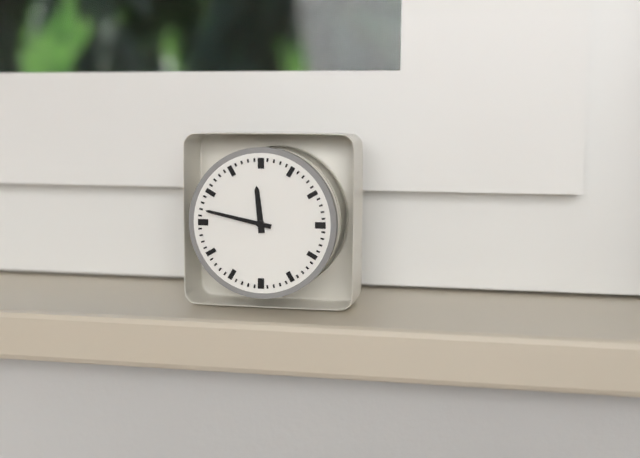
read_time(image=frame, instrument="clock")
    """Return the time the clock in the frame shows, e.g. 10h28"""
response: 11h47
